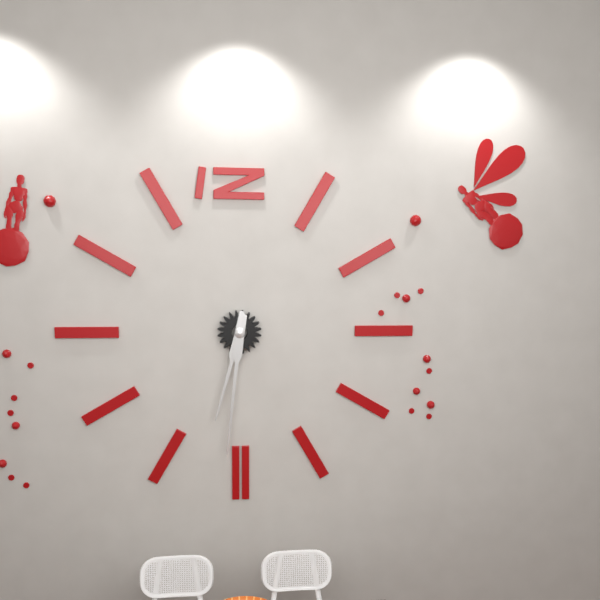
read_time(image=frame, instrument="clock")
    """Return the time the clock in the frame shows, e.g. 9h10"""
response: 6h31
